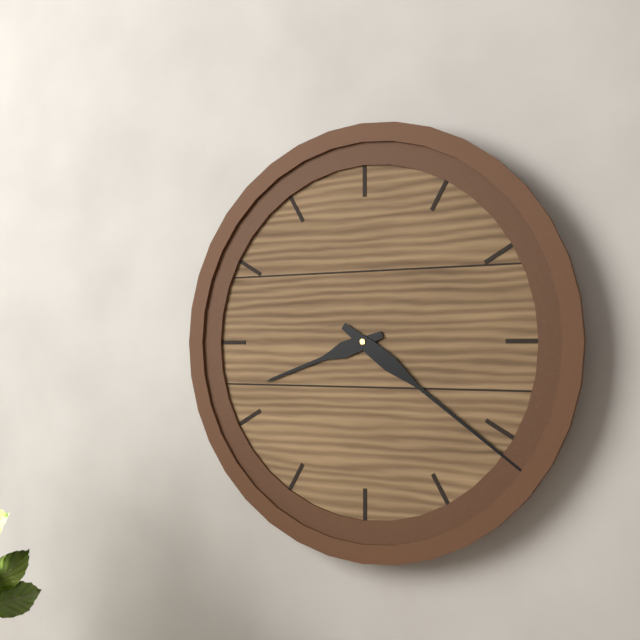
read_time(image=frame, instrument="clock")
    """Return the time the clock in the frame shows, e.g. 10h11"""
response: 8h21
